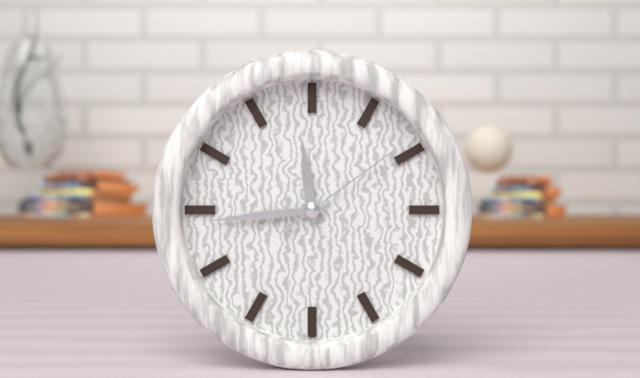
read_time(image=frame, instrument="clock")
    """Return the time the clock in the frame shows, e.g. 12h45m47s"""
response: 11h44m09s
